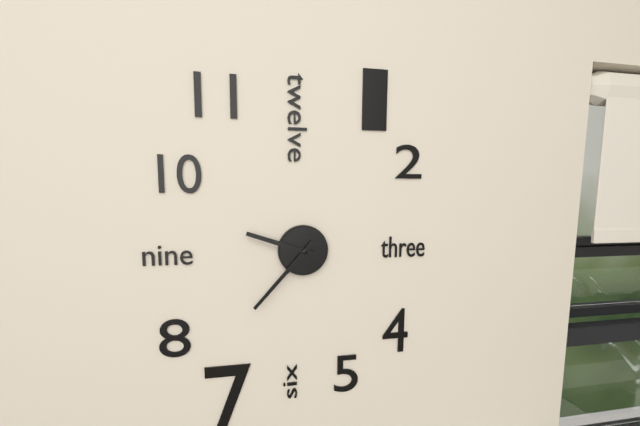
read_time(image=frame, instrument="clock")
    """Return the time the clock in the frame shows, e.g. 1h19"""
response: 9h37
